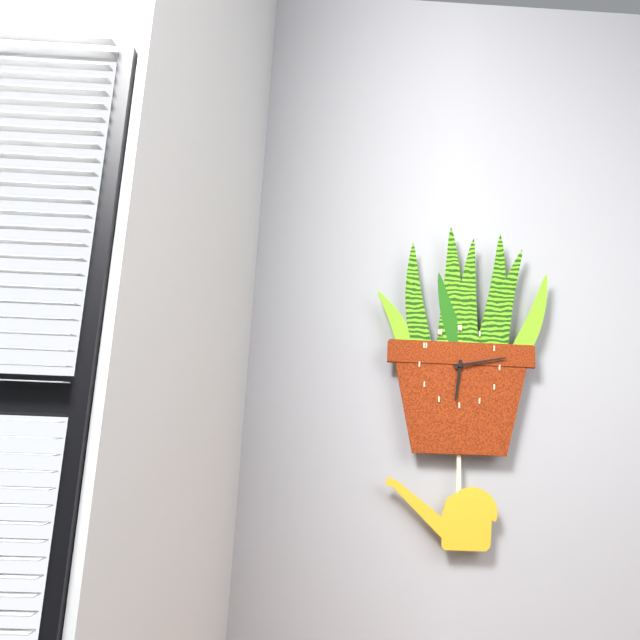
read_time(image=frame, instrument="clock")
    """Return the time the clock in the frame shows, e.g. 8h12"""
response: 6h13
